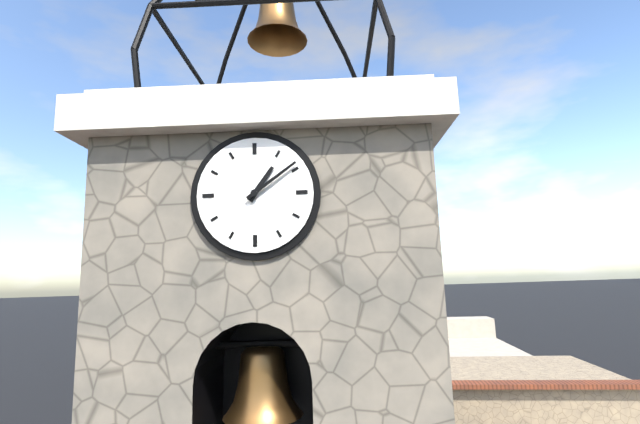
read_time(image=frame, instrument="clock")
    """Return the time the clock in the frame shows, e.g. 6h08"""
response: 1h09
